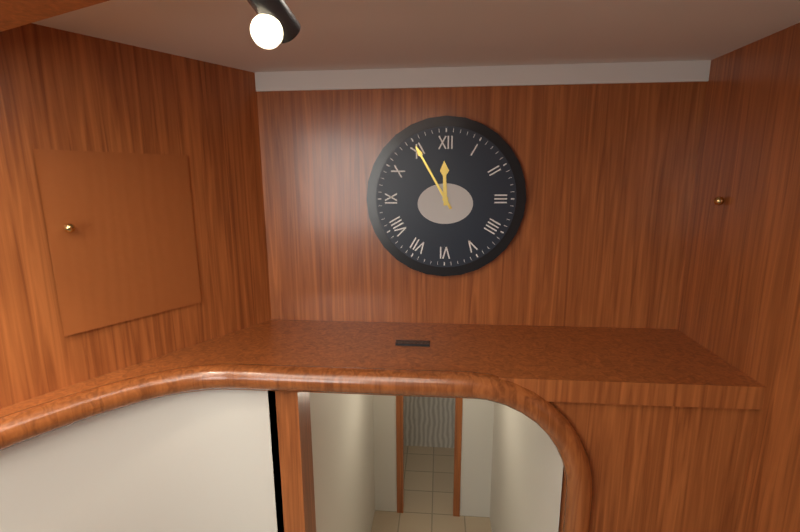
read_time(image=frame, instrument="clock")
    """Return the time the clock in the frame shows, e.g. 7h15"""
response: 11h55
